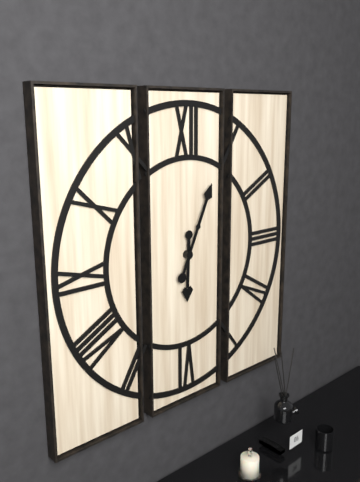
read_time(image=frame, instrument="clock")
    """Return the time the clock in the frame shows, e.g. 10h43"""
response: 6h04
